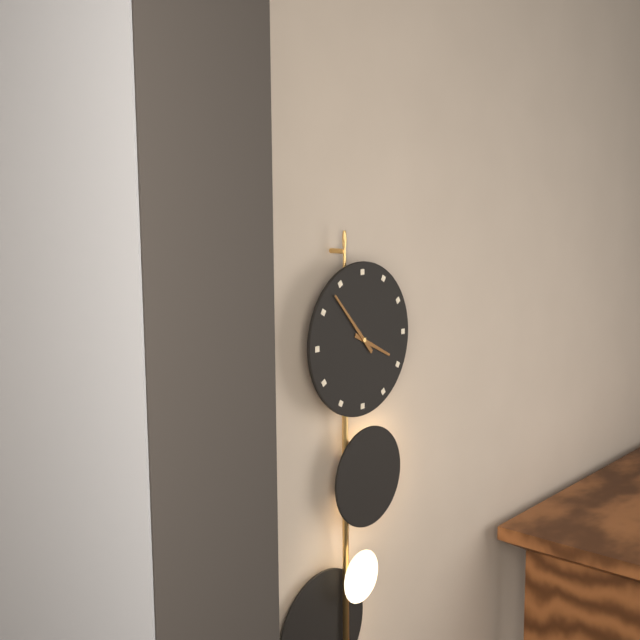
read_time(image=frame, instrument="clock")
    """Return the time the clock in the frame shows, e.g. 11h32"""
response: 3h53
